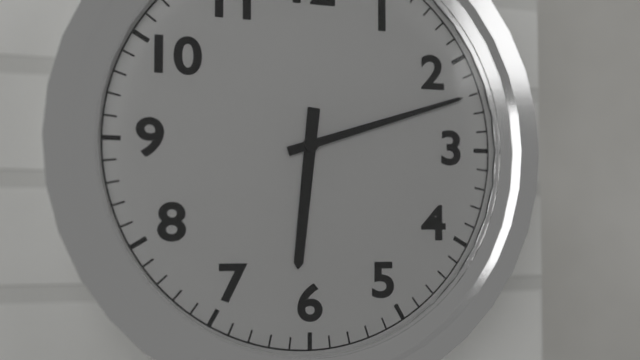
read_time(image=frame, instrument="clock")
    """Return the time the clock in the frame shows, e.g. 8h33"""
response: 6h12
